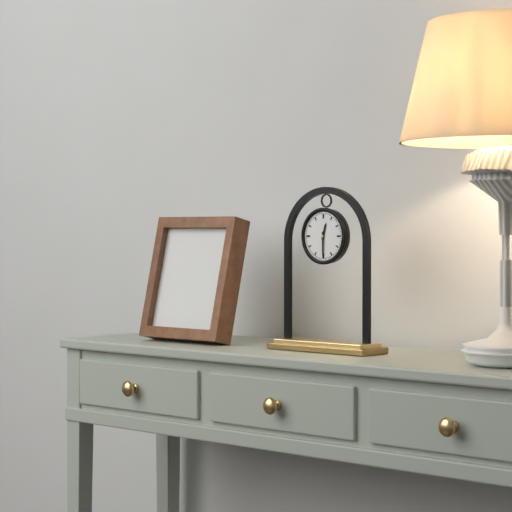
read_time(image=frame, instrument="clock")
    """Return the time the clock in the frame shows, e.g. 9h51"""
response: 12h30
